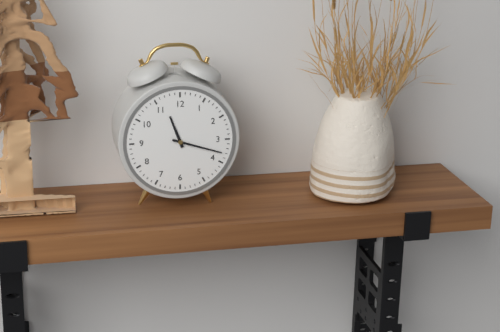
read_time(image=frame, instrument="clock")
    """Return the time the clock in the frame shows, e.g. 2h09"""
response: 11h18
